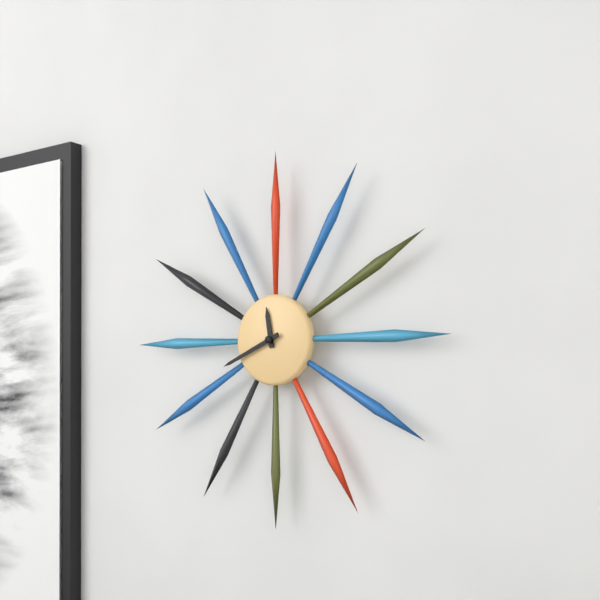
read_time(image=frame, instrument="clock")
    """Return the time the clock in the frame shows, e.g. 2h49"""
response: 11h41
